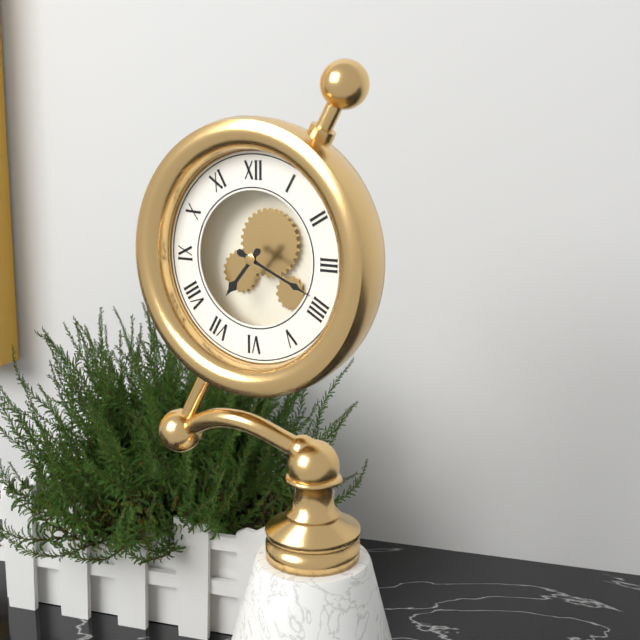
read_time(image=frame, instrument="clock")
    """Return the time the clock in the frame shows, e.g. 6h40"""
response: 7h19
